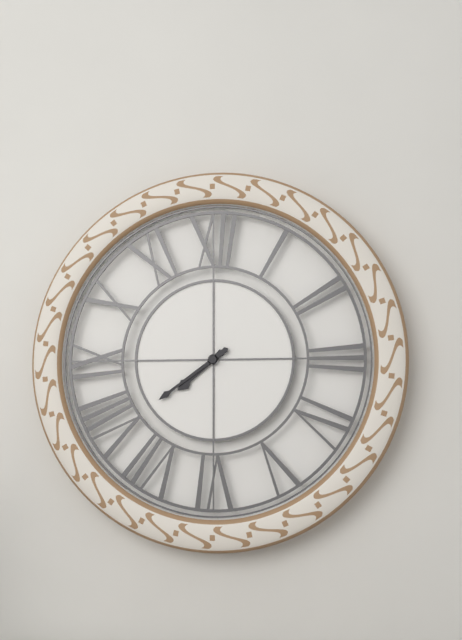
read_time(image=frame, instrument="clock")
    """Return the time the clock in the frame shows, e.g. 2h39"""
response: 7h39
